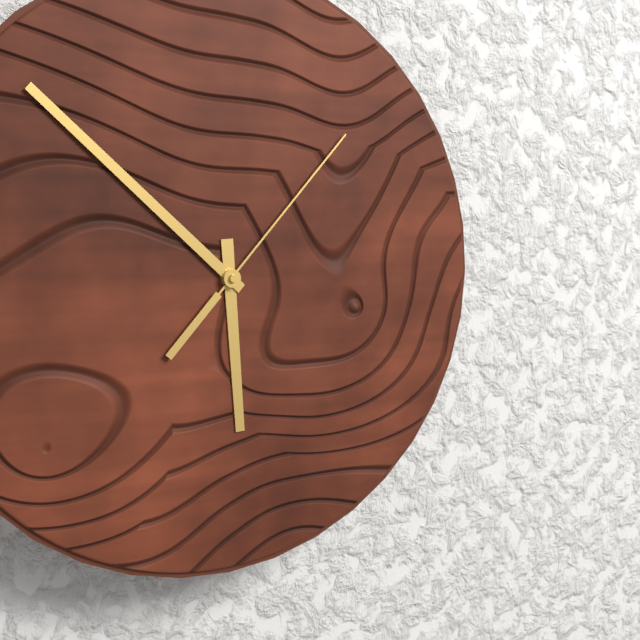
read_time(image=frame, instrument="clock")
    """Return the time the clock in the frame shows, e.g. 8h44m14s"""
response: 5h52m07s
